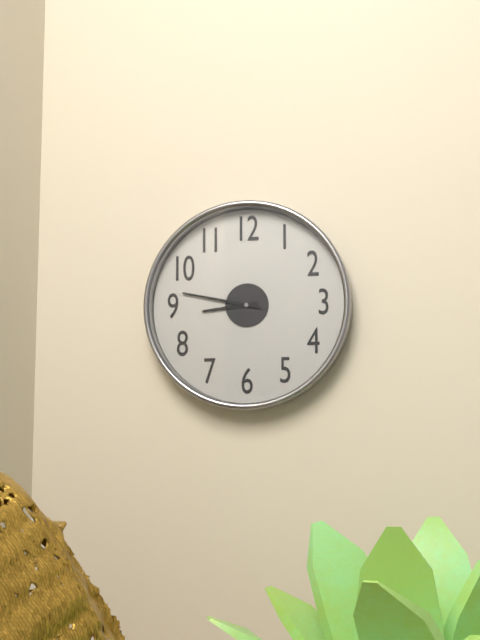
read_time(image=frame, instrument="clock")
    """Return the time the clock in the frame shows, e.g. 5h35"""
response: 8h47
